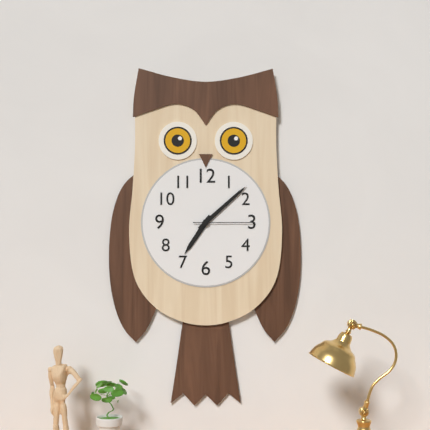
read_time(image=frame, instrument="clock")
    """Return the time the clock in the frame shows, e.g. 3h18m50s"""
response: 7h08m15s
